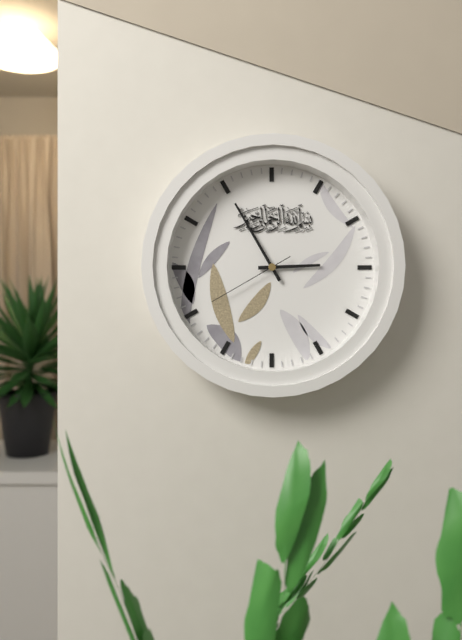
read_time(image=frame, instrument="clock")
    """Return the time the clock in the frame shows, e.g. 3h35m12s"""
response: 2h55m40s
